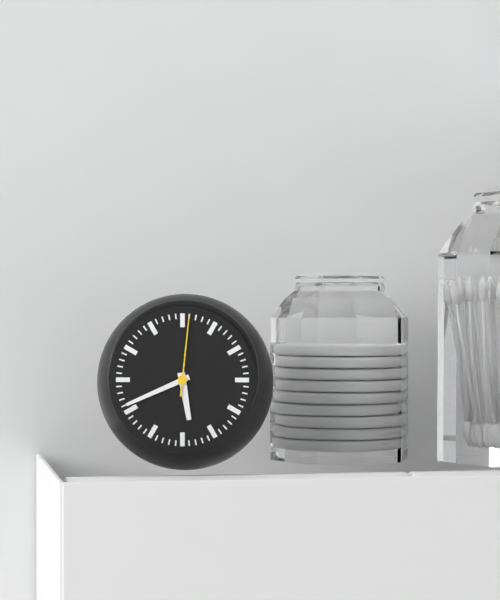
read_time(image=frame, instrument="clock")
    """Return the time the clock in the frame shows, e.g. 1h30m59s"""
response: 5h41m01s
